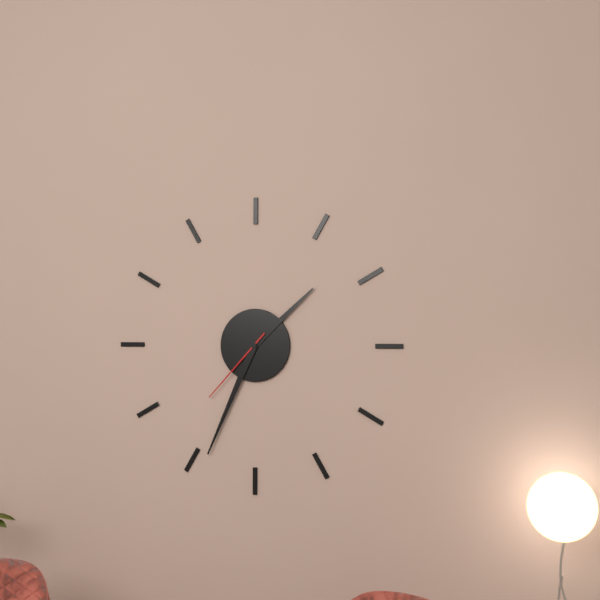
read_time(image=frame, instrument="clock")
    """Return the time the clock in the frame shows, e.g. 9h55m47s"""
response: 1h34m37s
